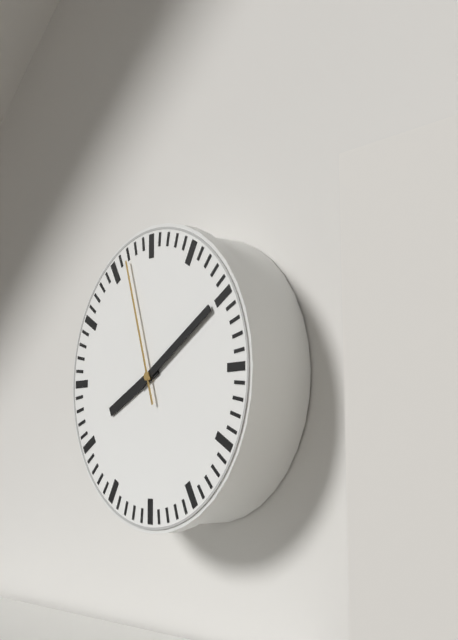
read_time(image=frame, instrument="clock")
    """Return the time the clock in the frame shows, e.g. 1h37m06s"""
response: 8h10m57s
